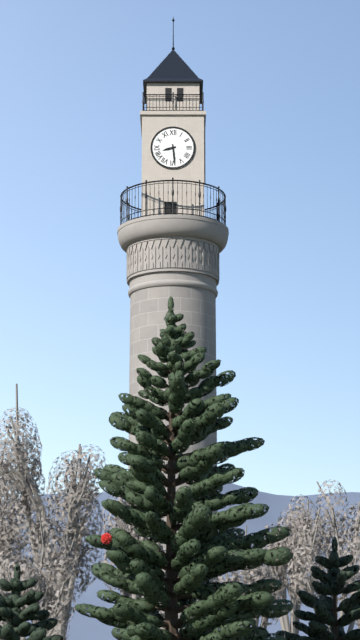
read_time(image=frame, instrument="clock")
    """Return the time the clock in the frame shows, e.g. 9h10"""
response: 8h29
